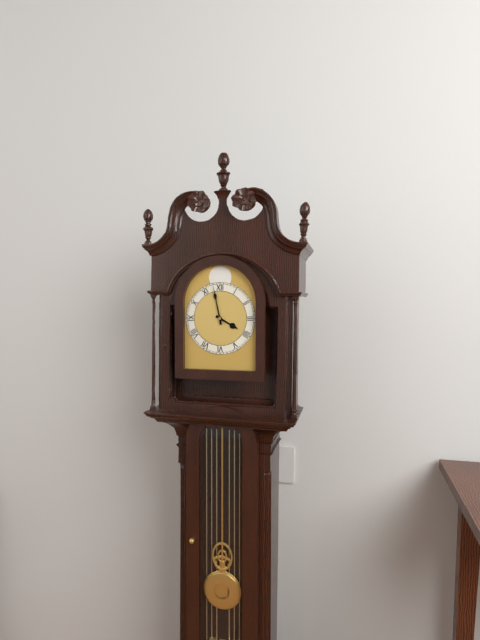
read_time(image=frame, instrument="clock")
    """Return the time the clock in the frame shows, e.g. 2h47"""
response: 3h58
